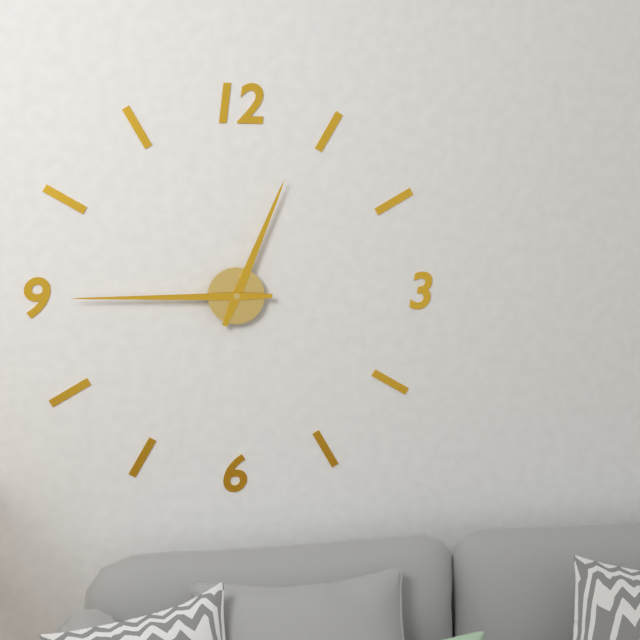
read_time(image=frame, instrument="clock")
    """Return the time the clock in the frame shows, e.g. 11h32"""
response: 12h45
